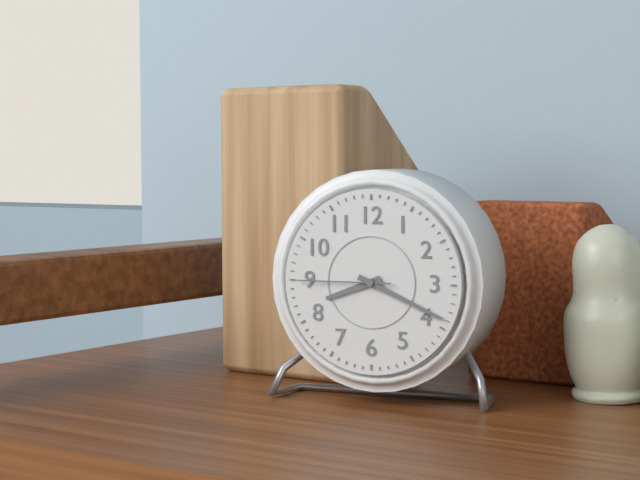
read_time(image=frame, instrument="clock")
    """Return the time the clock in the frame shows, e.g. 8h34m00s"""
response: 8h19m45s
